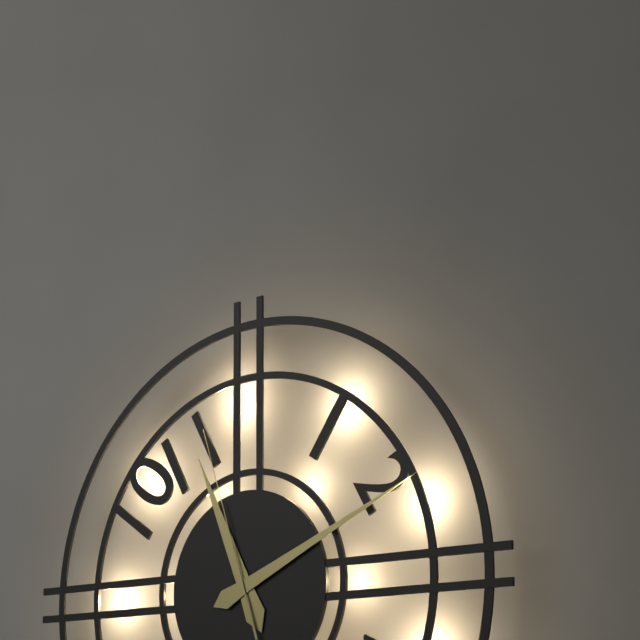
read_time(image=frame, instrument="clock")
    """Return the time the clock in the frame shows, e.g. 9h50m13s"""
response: 11h11m57s
